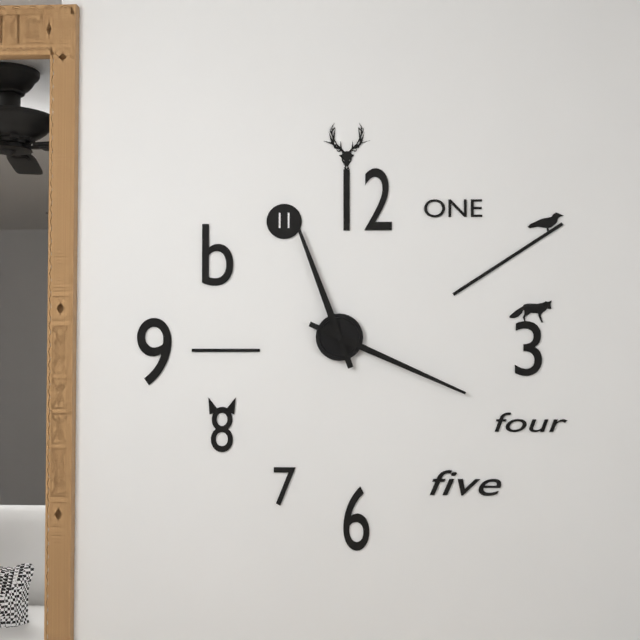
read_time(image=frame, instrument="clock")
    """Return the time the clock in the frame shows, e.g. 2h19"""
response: 11h19
